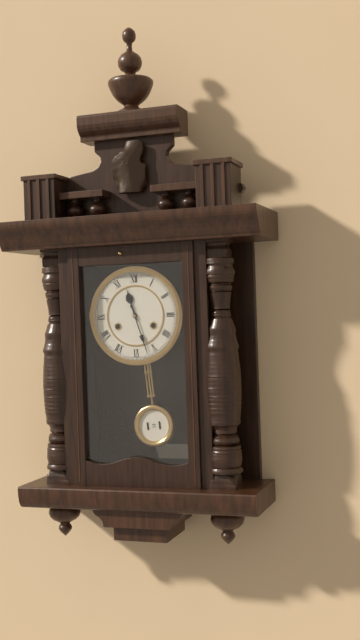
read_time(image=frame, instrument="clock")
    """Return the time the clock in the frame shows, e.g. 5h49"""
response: 11h27
